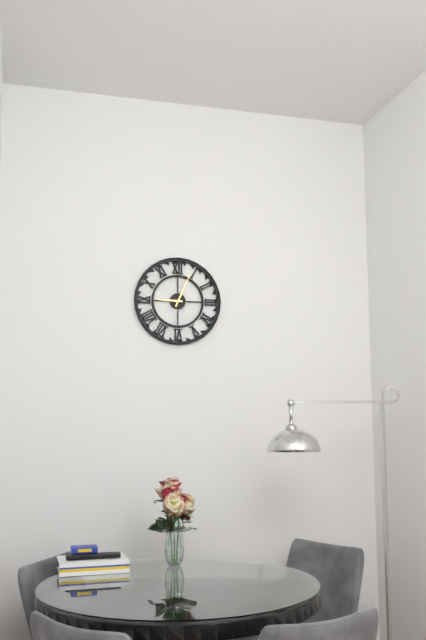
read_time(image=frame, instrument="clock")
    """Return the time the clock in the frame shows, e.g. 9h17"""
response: 9h04
